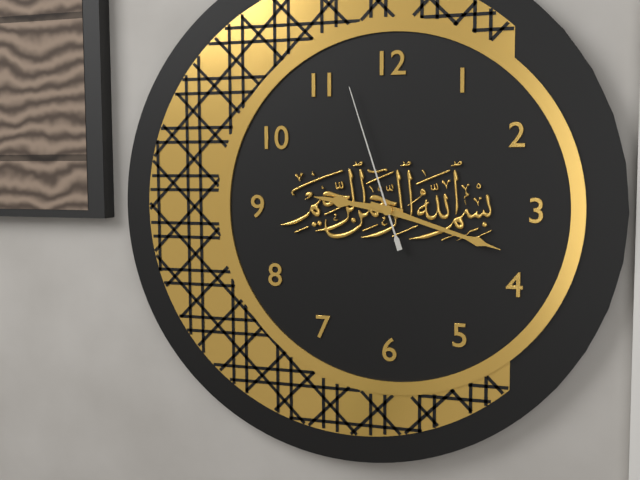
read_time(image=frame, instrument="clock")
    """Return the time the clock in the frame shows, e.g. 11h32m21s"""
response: 9h18m57s
